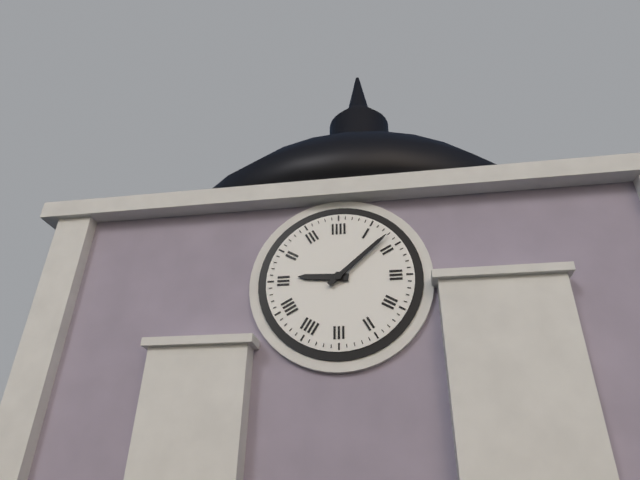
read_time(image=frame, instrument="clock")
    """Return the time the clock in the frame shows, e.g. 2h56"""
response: 9h08
